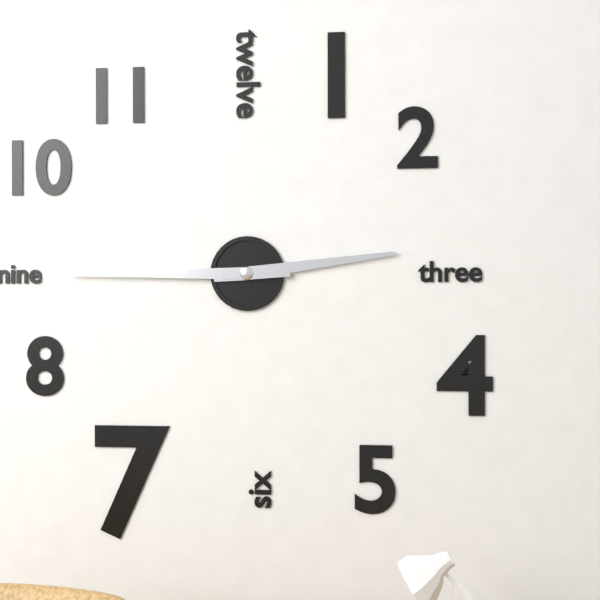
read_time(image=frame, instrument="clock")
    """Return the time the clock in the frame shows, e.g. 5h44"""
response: 2h45
